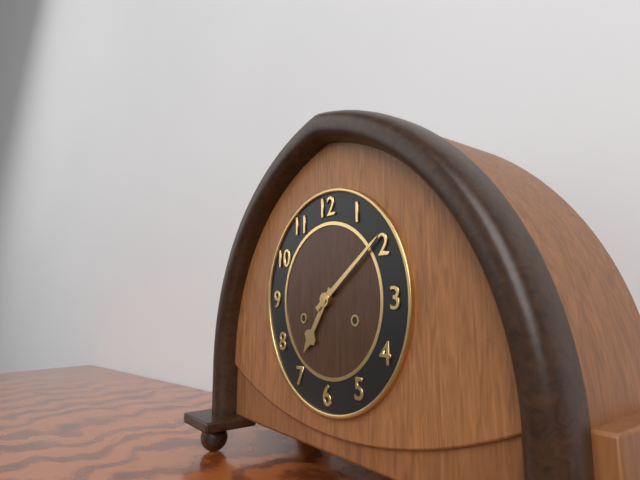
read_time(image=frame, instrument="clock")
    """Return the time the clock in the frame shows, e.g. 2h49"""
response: 7h09
